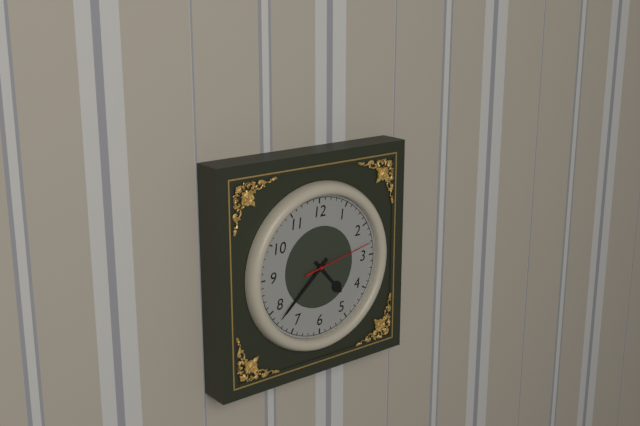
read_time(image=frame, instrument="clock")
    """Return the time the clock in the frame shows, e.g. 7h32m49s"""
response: 4h38m13s
